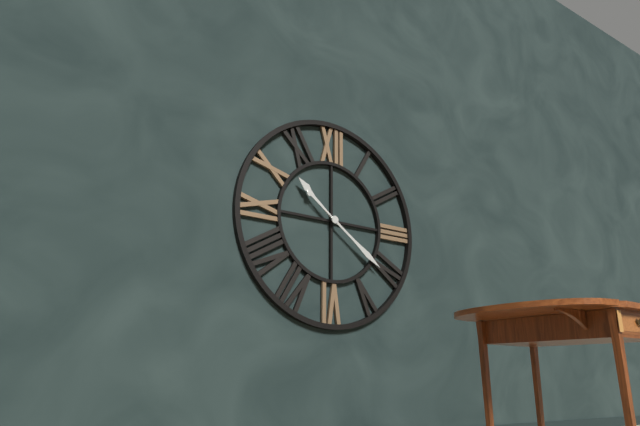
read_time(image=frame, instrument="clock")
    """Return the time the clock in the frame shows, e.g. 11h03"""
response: 10h21
